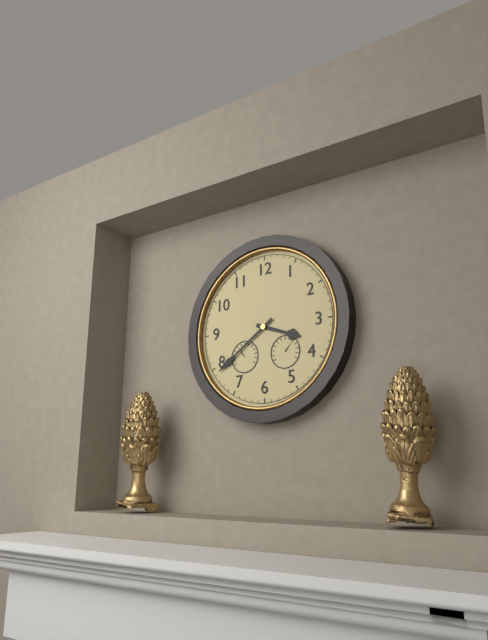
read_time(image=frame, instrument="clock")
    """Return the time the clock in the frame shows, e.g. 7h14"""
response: 3h39
